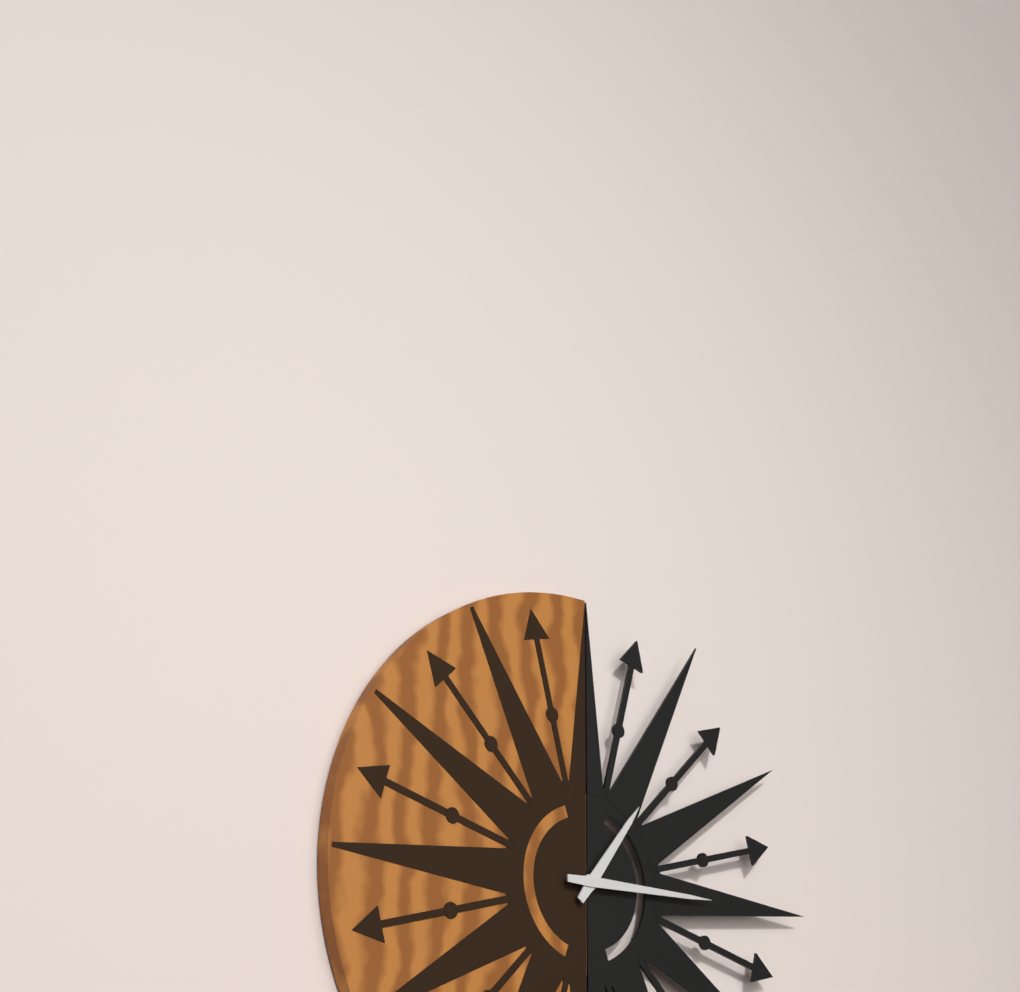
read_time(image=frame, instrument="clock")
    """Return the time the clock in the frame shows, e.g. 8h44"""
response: 1h15
